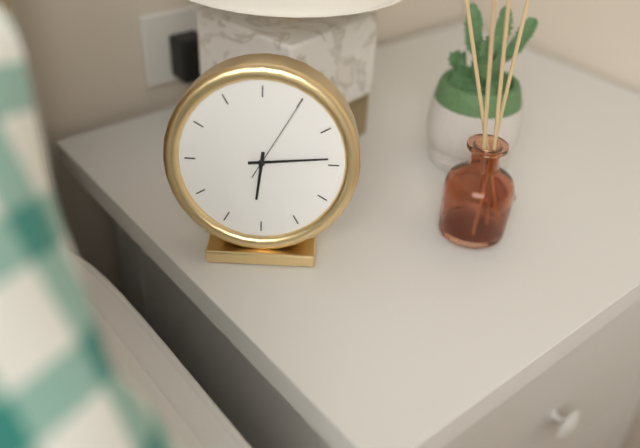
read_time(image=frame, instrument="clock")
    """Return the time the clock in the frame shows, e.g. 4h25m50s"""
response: 6h14m05s
